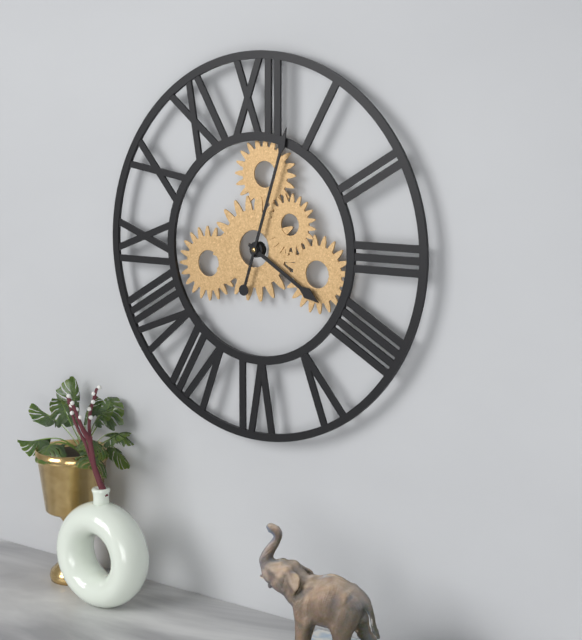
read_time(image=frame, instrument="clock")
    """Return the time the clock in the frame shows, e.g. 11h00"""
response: 4h03
